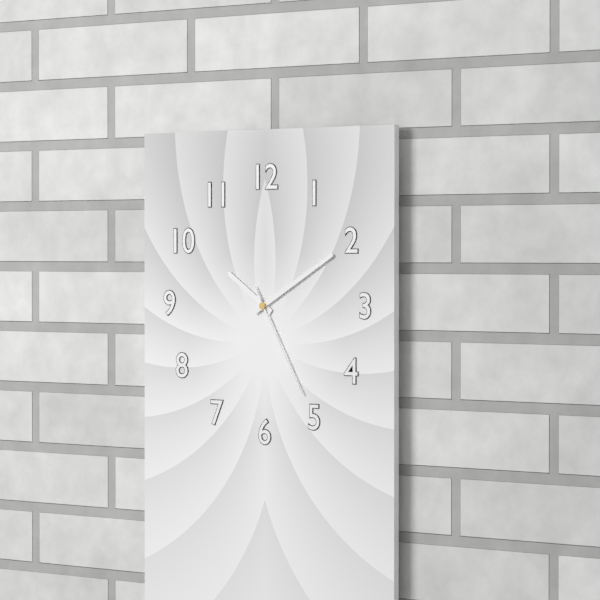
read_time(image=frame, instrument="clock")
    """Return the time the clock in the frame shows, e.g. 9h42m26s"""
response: 10h10m25s
